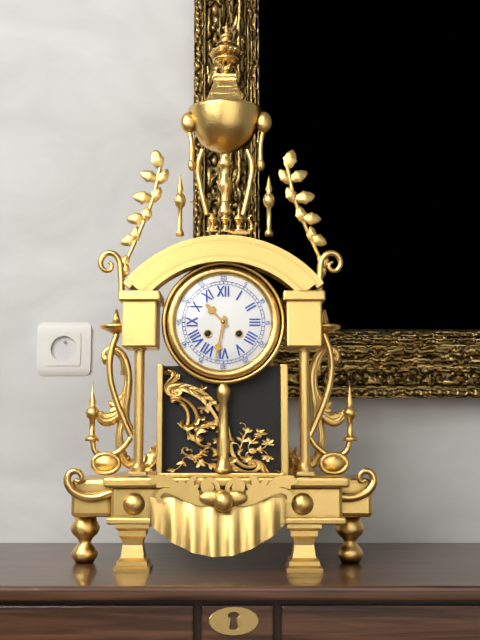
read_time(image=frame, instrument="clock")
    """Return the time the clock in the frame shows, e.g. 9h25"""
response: 10h32
